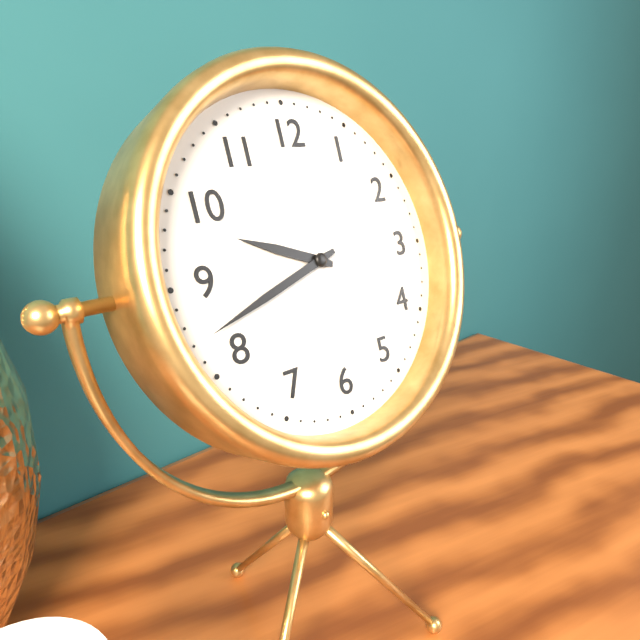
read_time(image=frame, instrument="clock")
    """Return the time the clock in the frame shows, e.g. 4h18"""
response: 9h42
